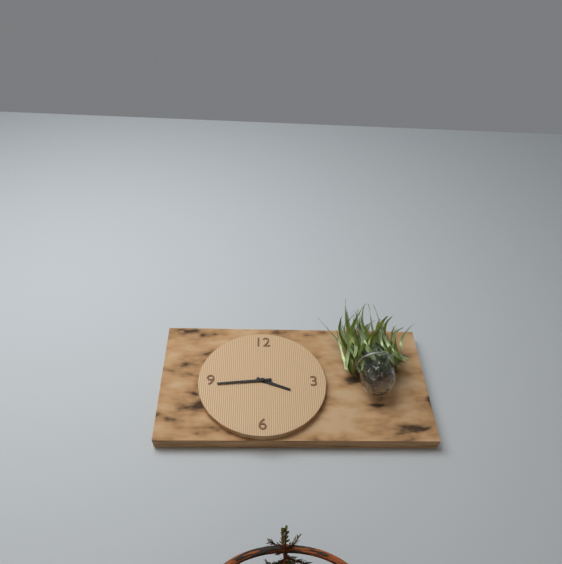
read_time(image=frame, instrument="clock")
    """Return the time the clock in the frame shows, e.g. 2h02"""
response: 3h44
